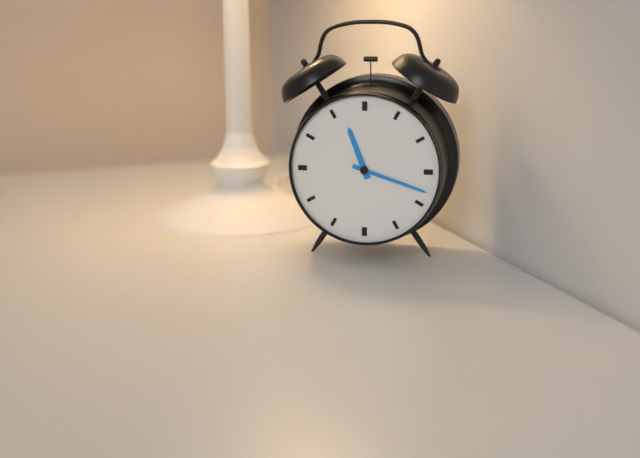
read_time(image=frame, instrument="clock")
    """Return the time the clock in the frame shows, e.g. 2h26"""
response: 11h18
